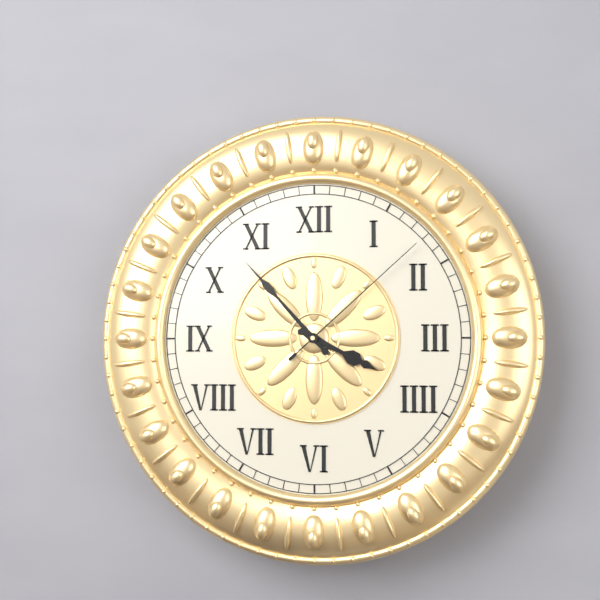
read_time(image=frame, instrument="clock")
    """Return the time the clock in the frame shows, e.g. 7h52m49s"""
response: 3h53m08s
